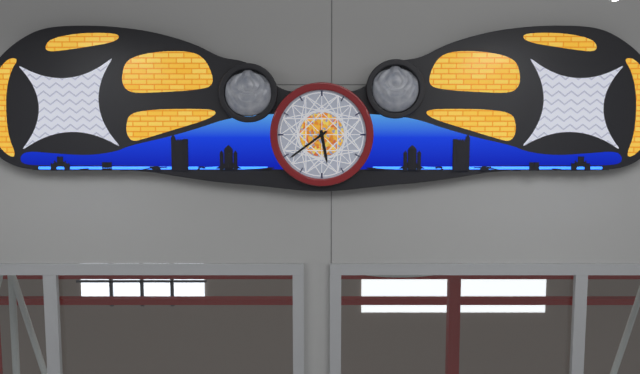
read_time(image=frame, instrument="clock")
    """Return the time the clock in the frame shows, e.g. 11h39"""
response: 5h39
